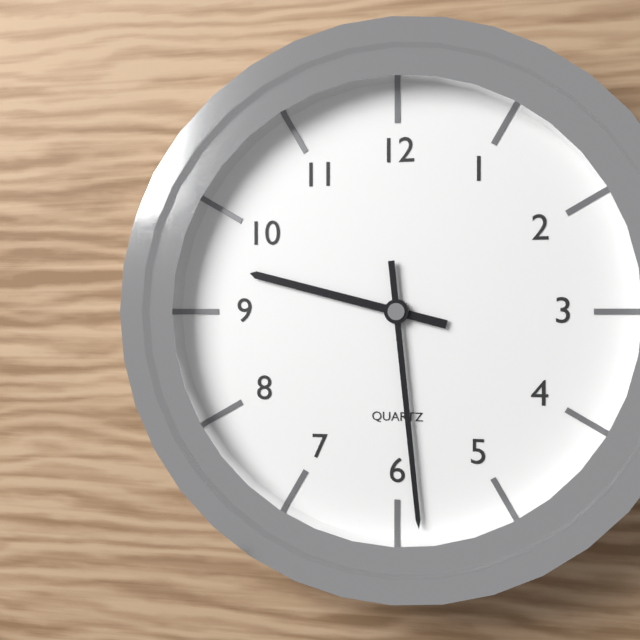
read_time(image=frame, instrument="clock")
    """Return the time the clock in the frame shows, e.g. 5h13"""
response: 9h29
